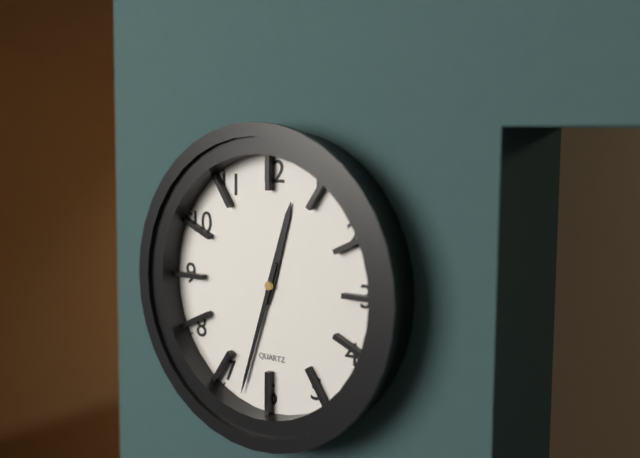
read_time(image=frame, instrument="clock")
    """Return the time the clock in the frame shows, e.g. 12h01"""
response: 12h33
